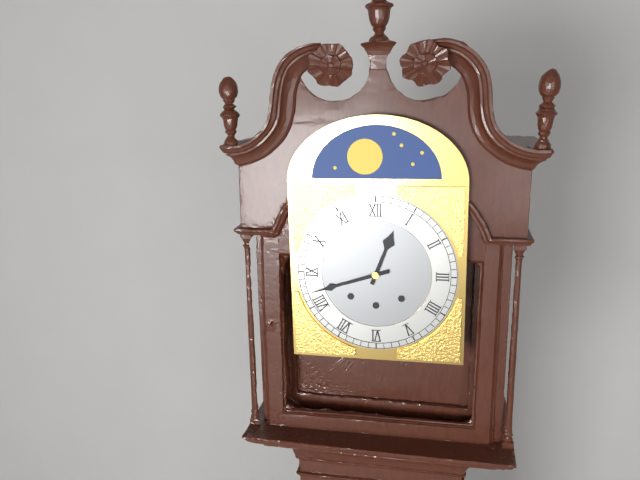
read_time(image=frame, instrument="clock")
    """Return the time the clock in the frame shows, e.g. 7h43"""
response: 12h42
